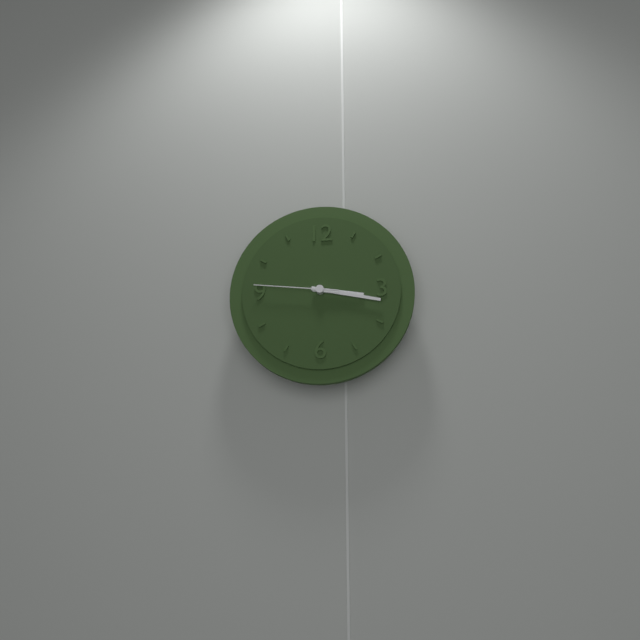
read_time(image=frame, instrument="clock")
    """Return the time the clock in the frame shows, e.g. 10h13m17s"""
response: 3h17m46s
